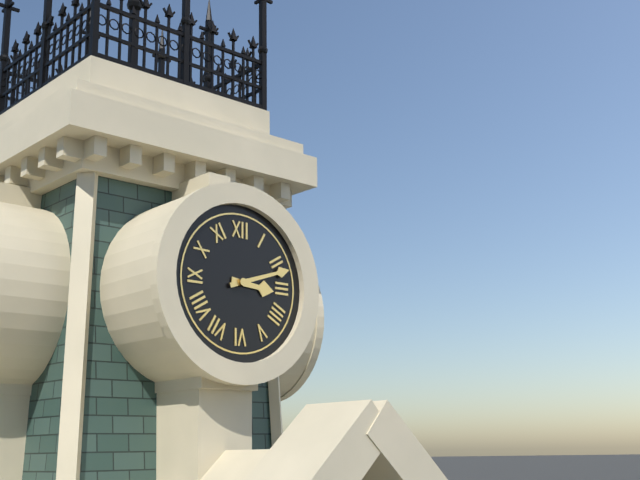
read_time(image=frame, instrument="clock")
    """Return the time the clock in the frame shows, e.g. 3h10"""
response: 3h12
